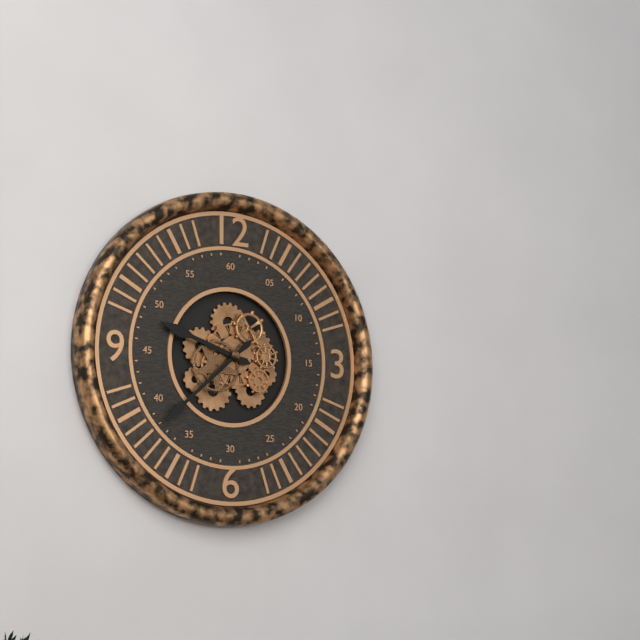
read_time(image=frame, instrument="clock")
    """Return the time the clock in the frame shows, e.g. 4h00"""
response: 9h38
